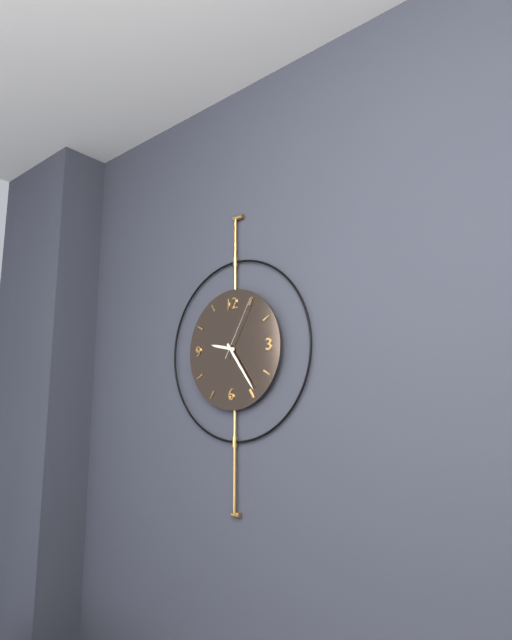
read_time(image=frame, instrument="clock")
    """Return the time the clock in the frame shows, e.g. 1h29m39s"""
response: 9h24m05s
